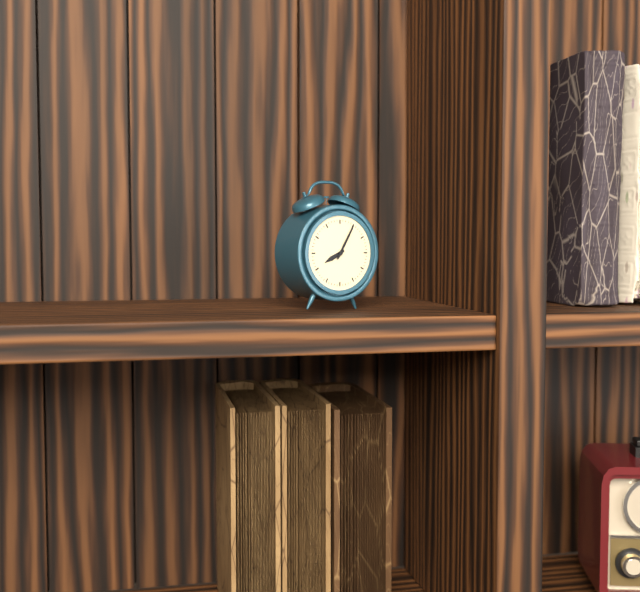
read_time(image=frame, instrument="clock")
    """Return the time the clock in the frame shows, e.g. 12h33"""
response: 8h05
